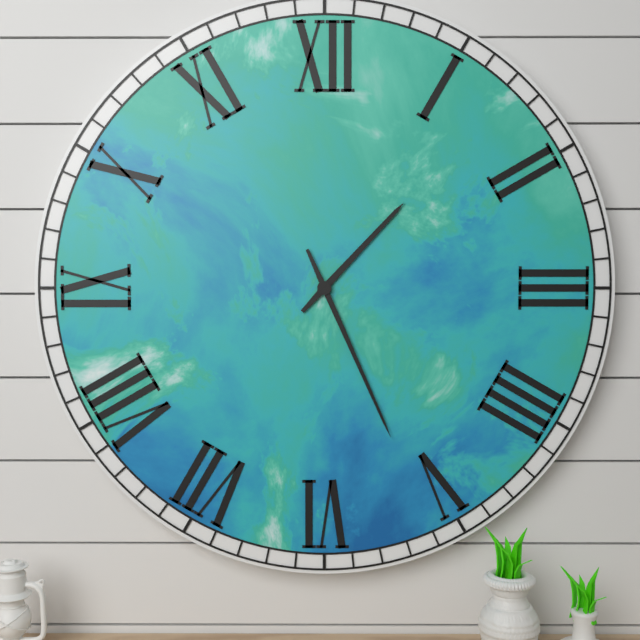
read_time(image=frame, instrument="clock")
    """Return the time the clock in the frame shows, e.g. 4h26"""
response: 1h26
